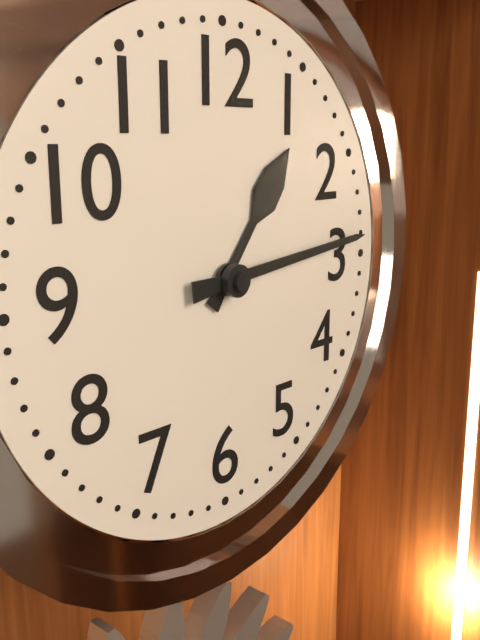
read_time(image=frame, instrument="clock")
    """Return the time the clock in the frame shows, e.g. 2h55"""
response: 1h14
